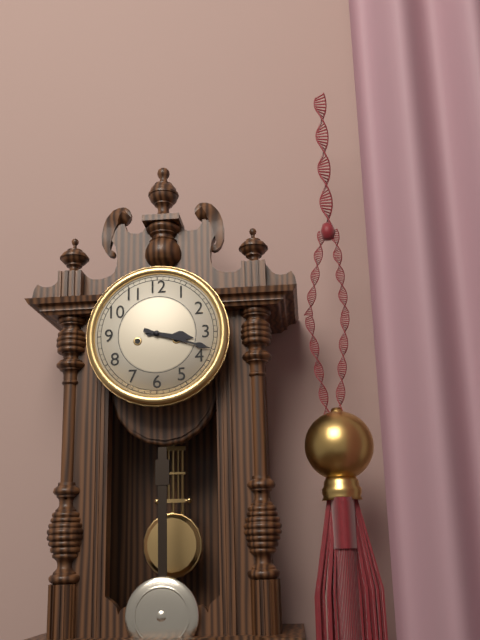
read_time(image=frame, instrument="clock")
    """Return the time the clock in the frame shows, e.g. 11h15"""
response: 3h18
